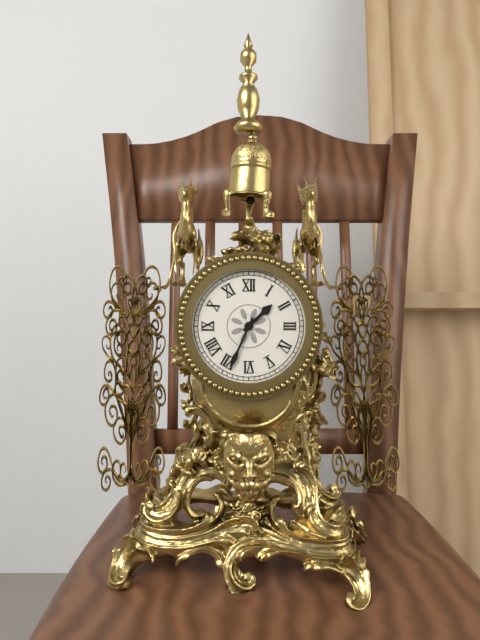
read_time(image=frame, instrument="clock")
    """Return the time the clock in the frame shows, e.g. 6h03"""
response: 1h34
